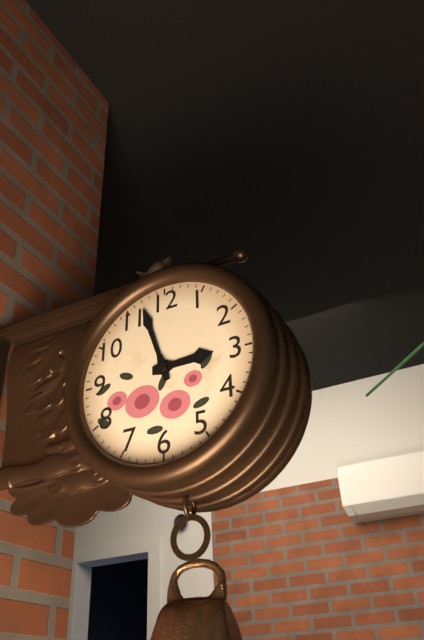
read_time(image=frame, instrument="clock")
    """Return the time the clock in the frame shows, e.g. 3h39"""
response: 2h57
